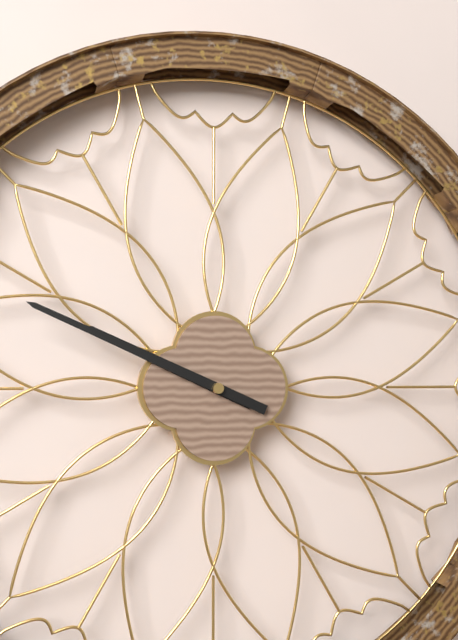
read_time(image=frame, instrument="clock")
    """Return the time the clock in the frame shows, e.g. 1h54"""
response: 9h49
